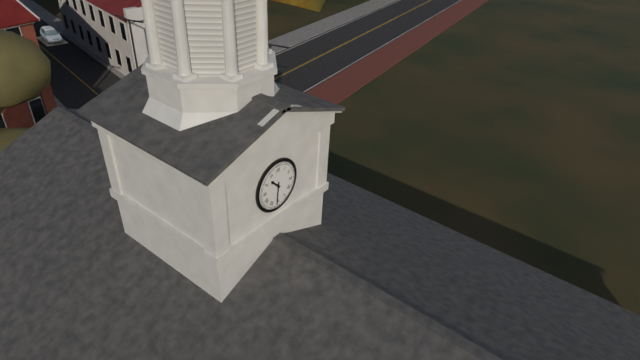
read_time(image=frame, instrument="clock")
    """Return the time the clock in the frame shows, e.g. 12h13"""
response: 10h31
